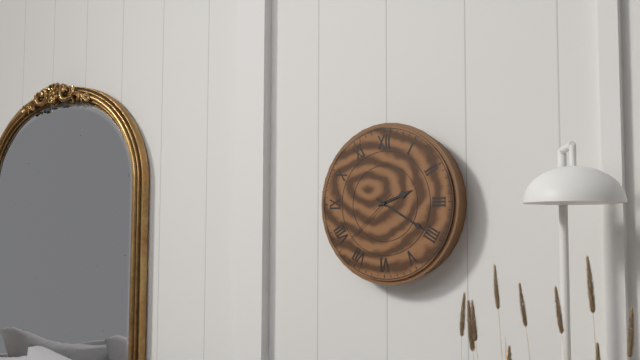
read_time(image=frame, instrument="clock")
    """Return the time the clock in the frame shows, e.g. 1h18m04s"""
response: 2h20m38s
